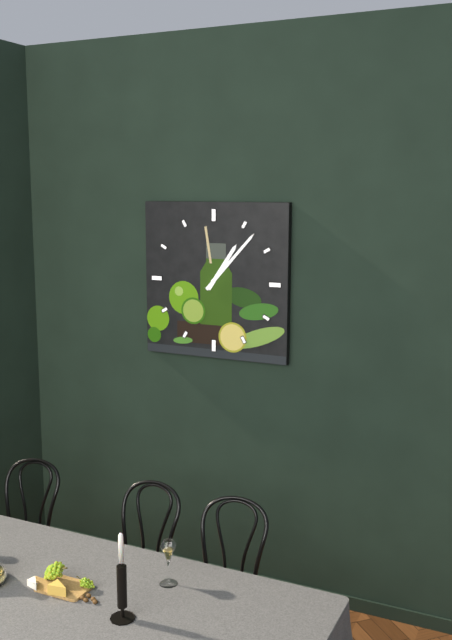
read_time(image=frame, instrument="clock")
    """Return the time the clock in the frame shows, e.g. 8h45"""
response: 1h07
